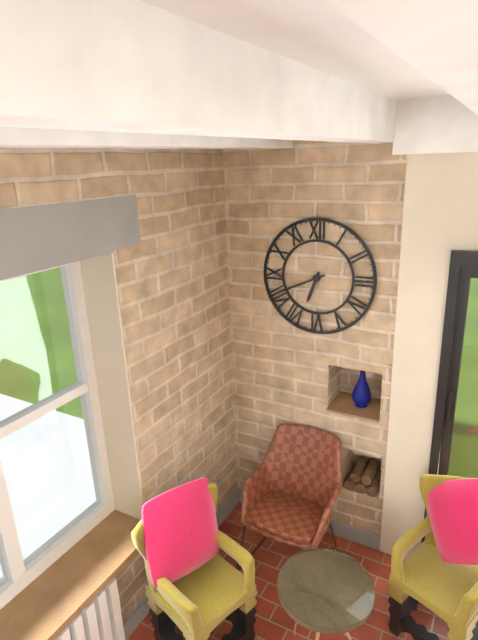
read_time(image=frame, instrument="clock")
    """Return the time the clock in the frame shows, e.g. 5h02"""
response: 6h41
